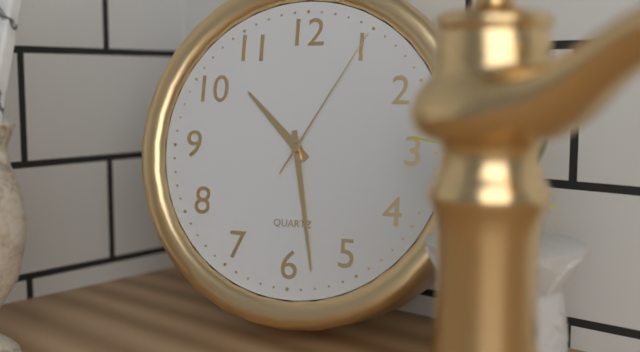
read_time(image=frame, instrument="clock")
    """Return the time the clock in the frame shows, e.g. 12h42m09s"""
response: 10h28m05s
